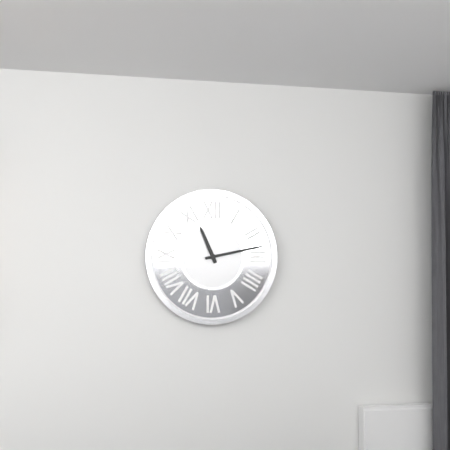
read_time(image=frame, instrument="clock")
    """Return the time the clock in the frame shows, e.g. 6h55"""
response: 11h13
